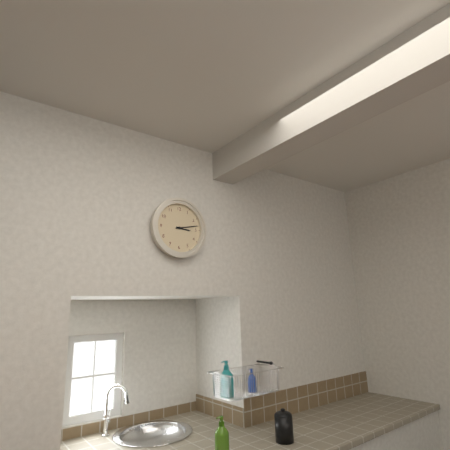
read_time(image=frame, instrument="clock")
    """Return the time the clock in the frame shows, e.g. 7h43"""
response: 3h13
